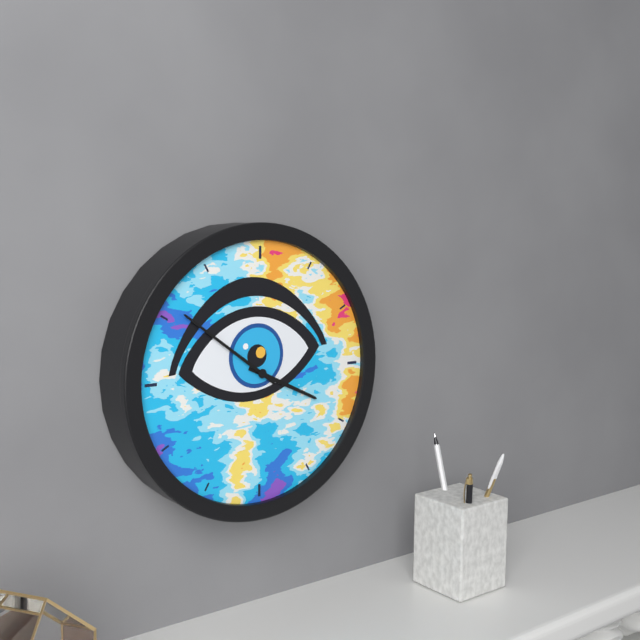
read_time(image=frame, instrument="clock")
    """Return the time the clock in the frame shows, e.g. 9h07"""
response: 3h51
